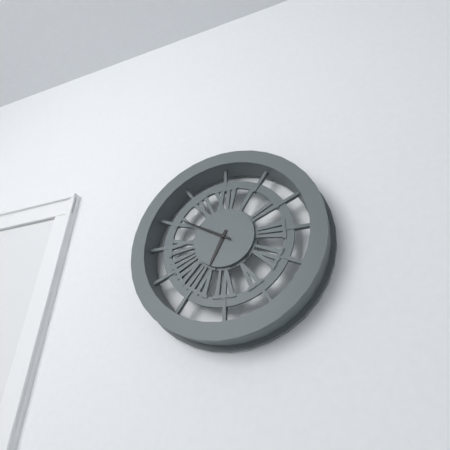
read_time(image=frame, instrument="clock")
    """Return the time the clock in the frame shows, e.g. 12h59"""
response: 6h50
